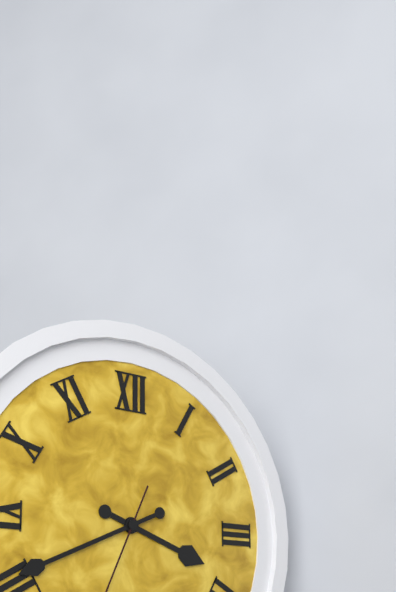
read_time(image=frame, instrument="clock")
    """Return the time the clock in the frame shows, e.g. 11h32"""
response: 3h41
